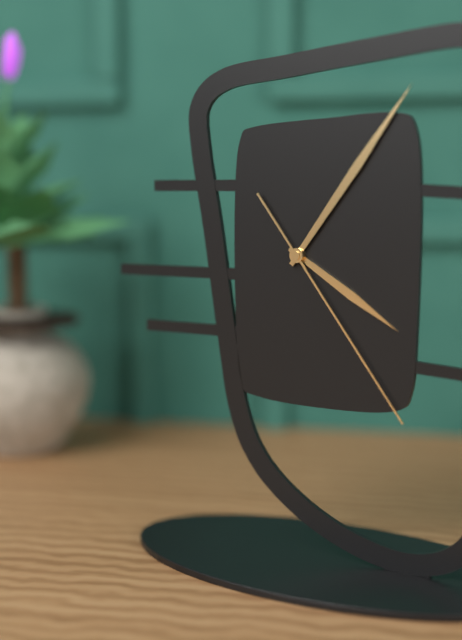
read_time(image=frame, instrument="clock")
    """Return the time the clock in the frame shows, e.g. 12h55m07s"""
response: 4h06m24s
